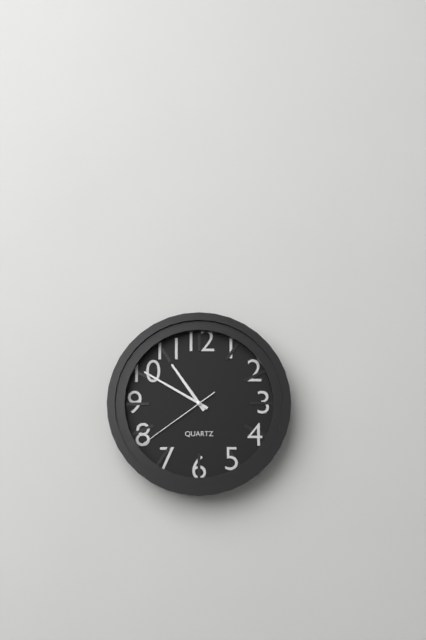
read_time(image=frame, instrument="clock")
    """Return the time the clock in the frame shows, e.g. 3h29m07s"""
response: 10h50m39s
